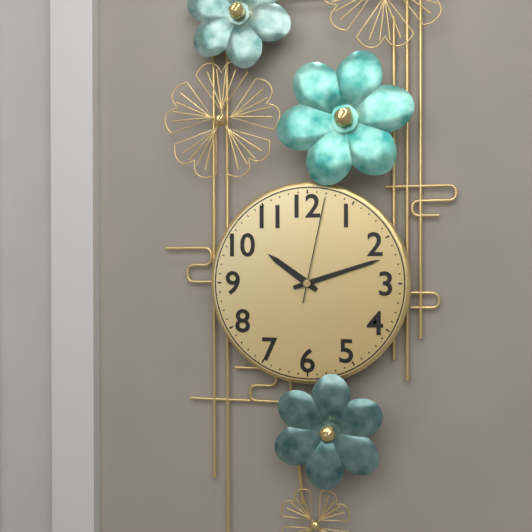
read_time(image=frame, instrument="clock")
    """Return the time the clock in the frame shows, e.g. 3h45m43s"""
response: 10h12m02s
